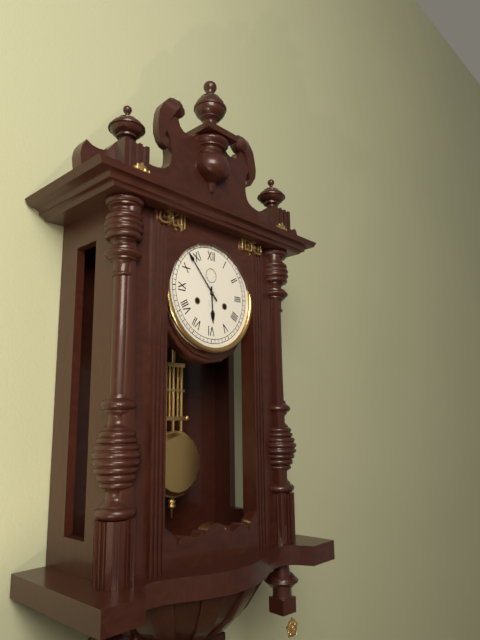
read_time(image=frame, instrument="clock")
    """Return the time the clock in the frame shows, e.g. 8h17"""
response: 5h53
